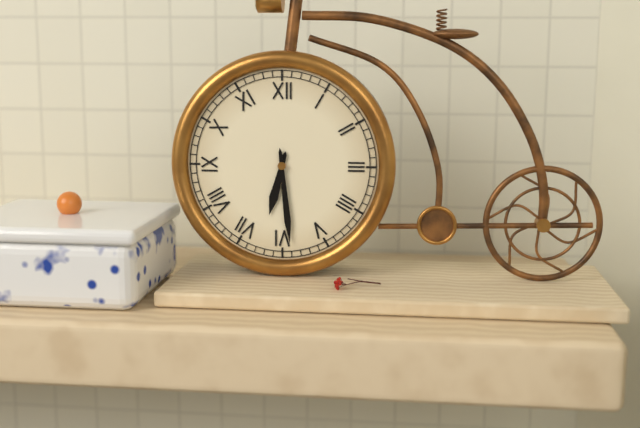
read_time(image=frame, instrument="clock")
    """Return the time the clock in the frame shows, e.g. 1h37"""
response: 6h29
